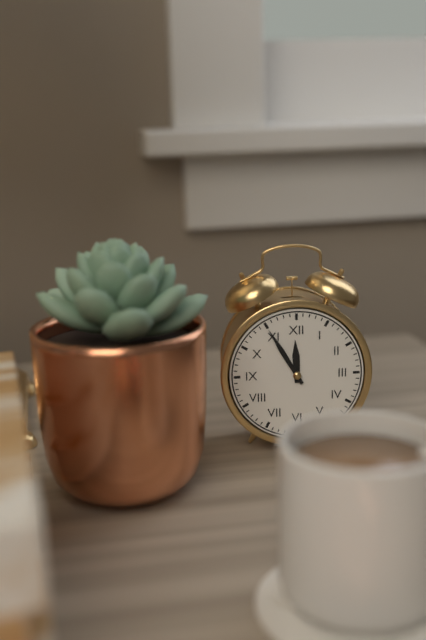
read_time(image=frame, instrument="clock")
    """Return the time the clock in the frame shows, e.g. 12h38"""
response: 11h55
